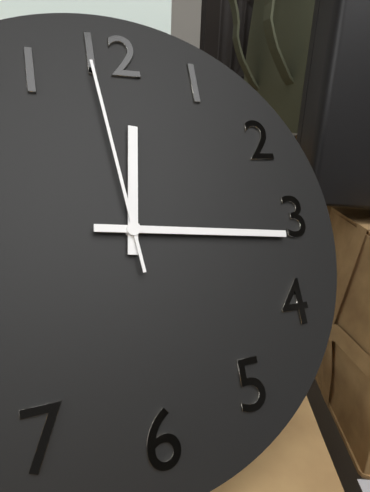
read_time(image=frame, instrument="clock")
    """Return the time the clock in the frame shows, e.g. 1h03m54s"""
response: 12h16m59s
